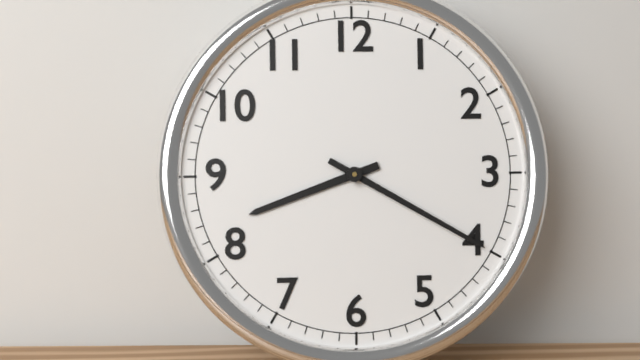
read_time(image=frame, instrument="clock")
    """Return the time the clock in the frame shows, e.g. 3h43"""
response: 8h20
